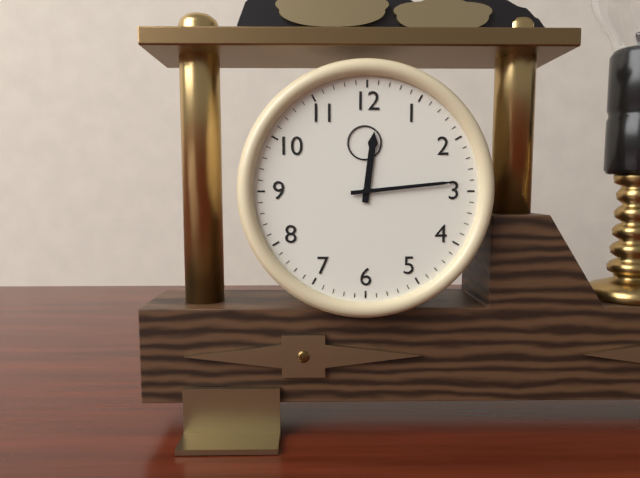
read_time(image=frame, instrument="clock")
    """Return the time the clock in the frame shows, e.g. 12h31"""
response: 12h14
